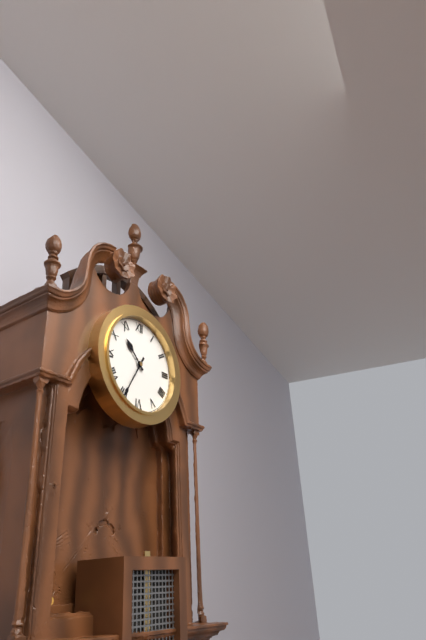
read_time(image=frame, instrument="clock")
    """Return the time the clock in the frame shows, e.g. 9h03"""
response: 10h35
